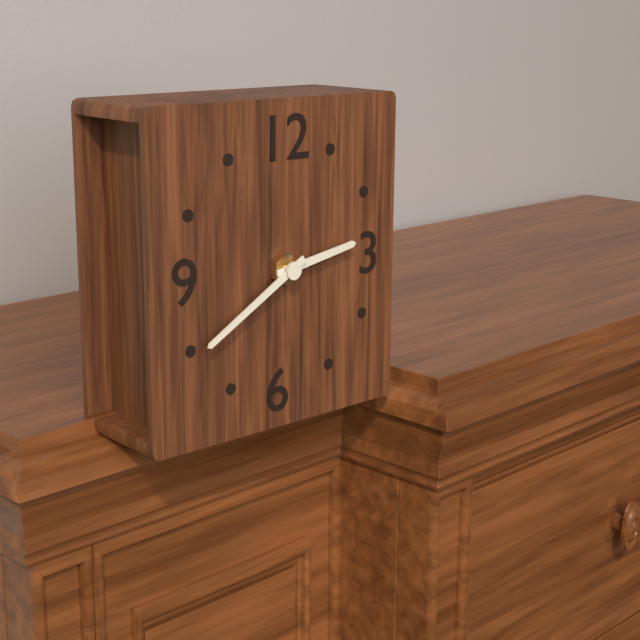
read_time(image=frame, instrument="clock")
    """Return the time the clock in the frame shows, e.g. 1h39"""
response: 2h40
